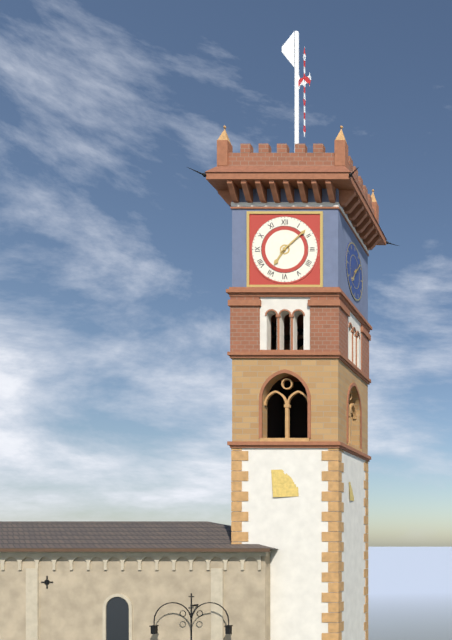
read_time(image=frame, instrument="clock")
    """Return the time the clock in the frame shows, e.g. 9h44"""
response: 7h08
